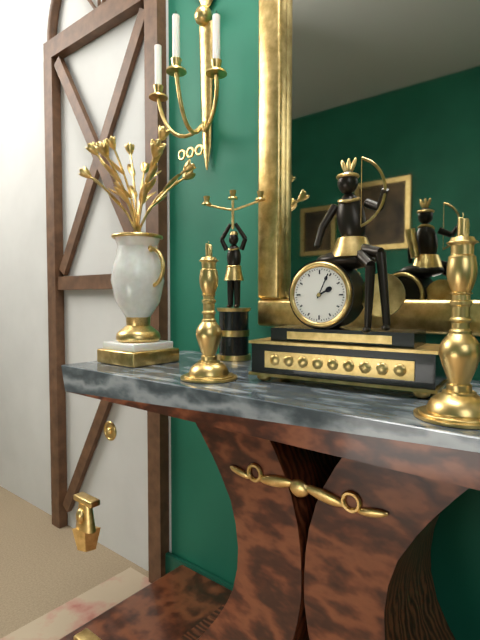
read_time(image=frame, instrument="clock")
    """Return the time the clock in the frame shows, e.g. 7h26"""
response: 2h04
